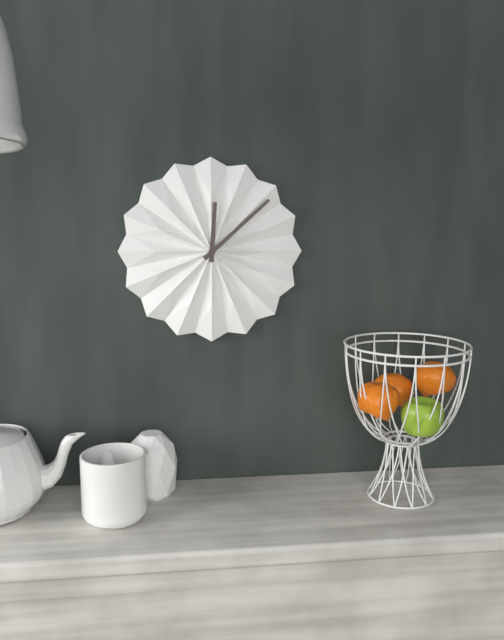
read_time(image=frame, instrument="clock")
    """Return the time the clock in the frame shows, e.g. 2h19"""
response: 12h08
